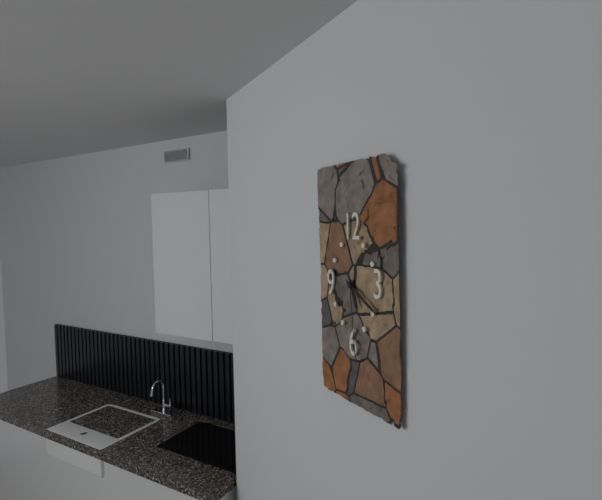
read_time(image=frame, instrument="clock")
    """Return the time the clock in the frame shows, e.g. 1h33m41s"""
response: 5h20m29s
